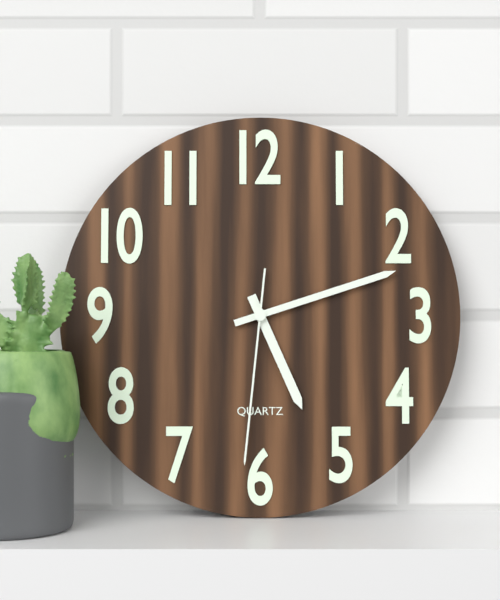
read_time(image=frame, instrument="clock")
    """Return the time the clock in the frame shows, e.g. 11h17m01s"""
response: 5h12m31s
